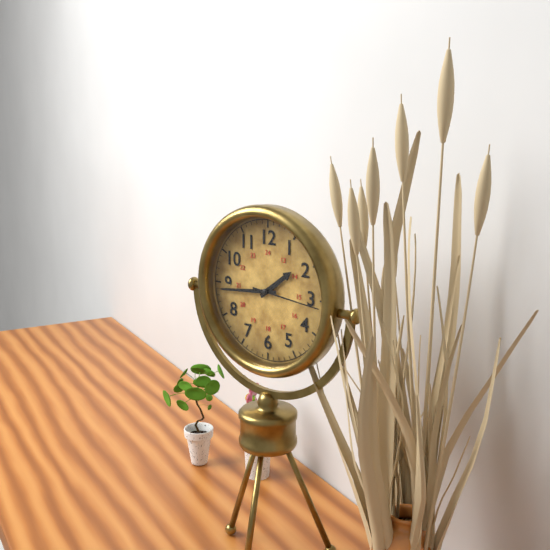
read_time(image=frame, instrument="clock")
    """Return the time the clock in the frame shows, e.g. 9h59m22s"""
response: 1h44m16s
